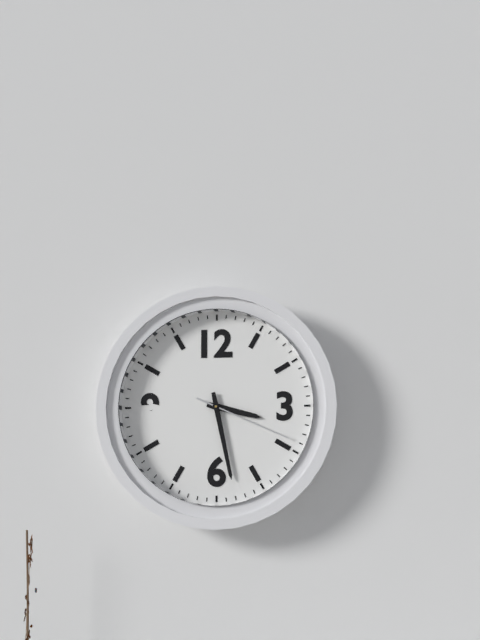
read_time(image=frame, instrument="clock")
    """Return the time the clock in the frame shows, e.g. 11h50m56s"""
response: 3h28m19s
